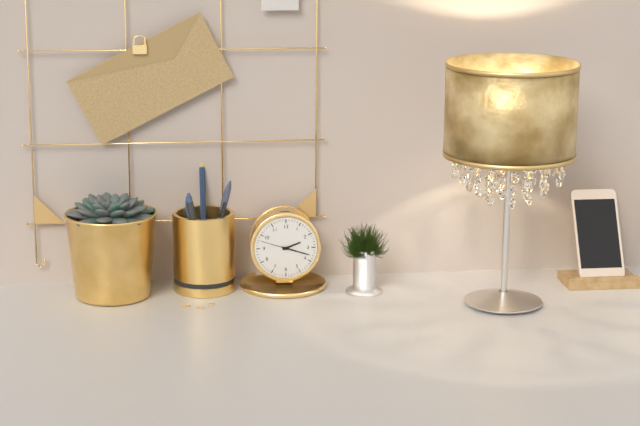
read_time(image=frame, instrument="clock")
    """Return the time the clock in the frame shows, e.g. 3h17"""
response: 2h18
